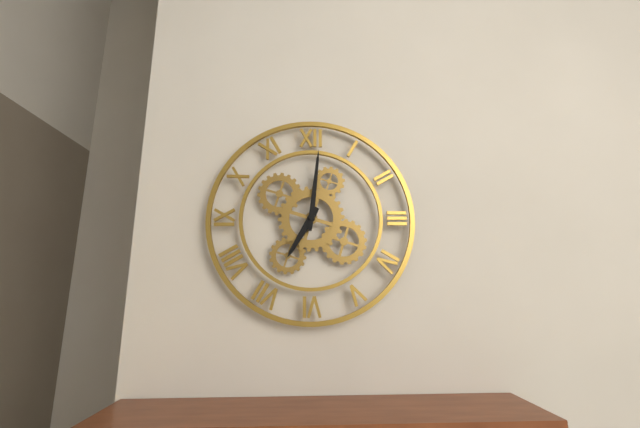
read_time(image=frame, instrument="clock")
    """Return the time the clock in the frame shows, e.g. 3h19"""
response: 7h01
